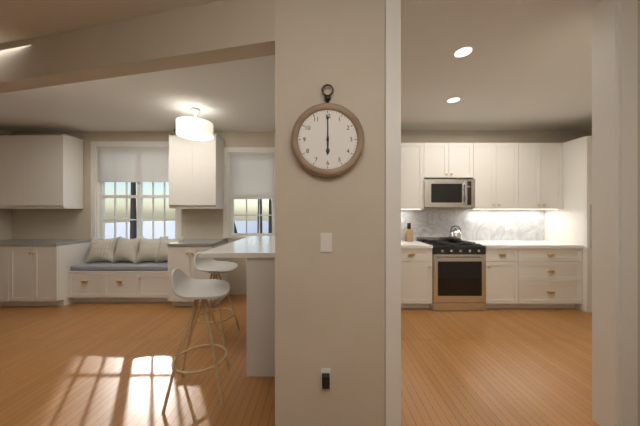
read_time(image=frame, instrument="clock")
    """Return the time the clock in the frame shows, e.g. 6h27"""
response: 6h00
